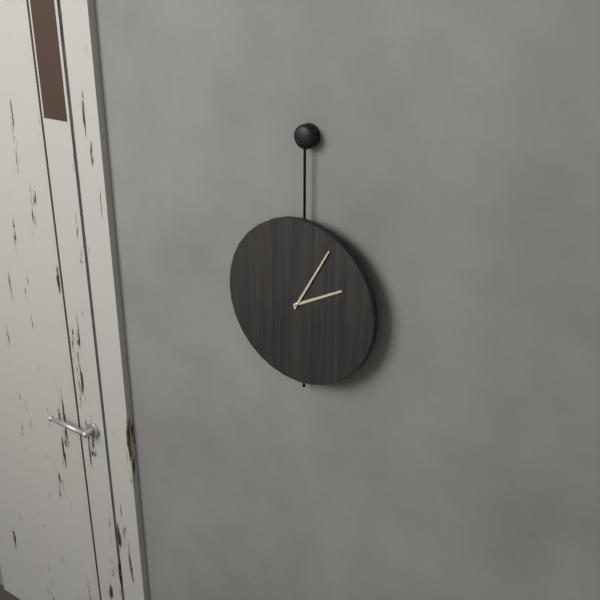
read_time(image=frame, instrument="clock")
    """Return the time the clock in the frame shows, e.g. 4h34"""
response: 2h05
